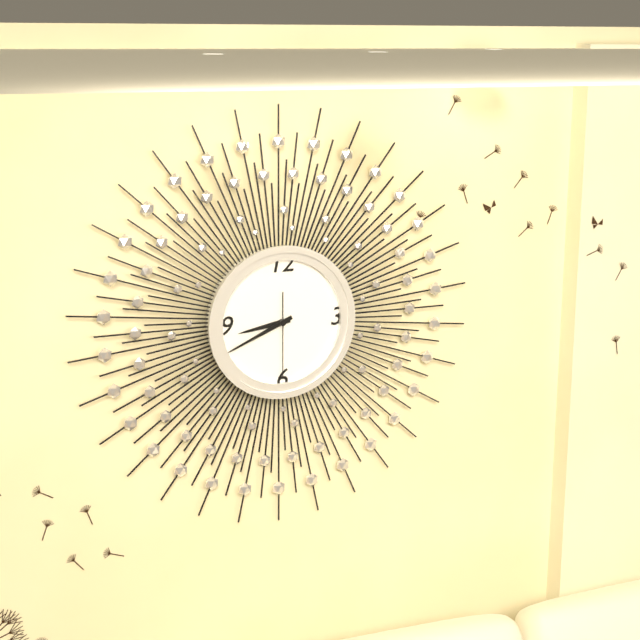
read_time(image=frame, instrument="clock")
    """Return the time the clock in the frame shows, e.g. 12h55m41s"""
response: 8h41m30s
